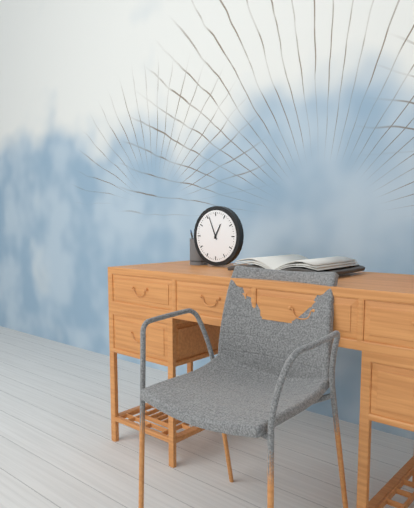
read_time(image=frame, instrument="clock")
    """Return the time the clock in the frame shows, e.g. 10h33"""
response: 12h56
